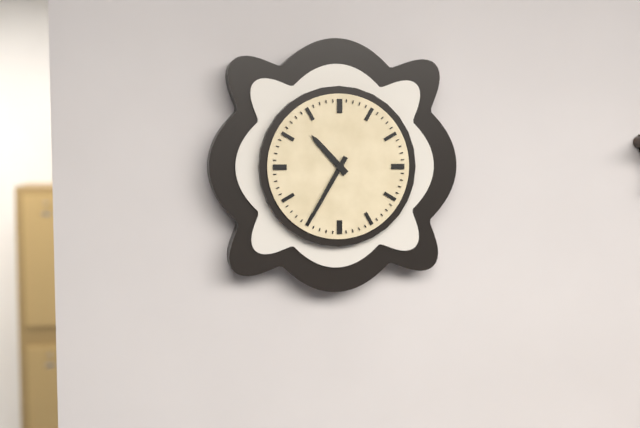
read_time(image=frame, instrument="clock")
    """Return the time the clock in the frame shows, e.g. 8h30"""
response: 10h35
